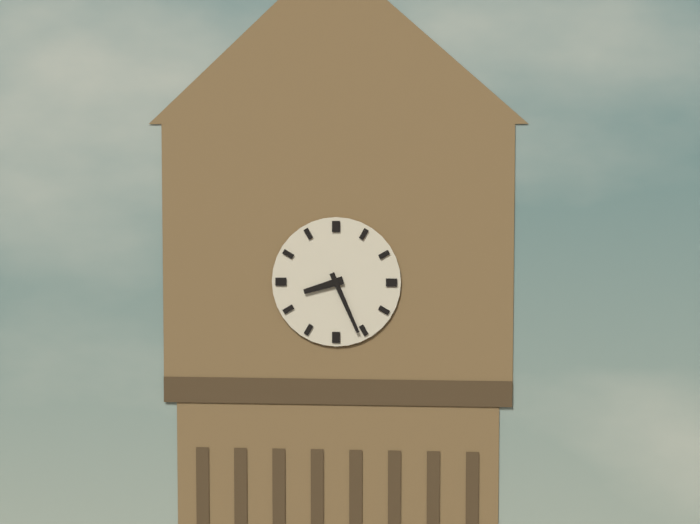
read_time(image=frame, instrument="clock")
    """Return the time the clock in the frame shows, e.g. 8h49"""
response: 8h26
